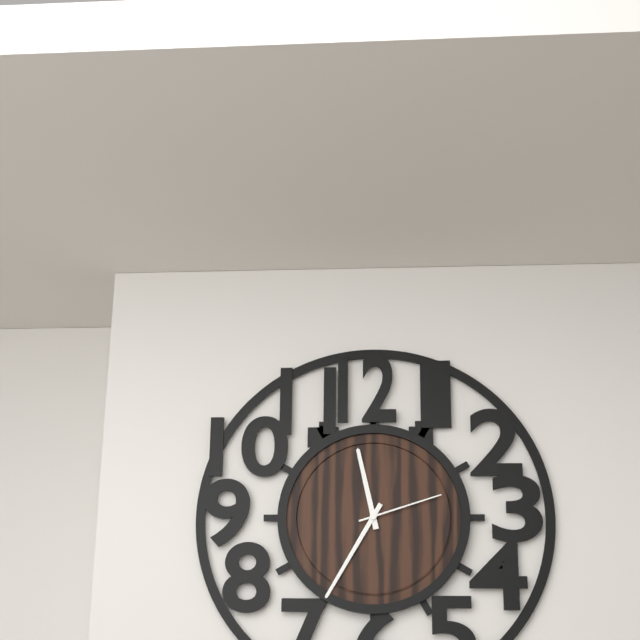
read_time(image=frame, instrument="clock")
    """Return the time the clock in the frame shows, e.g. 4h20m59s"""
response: 11h35m12s
